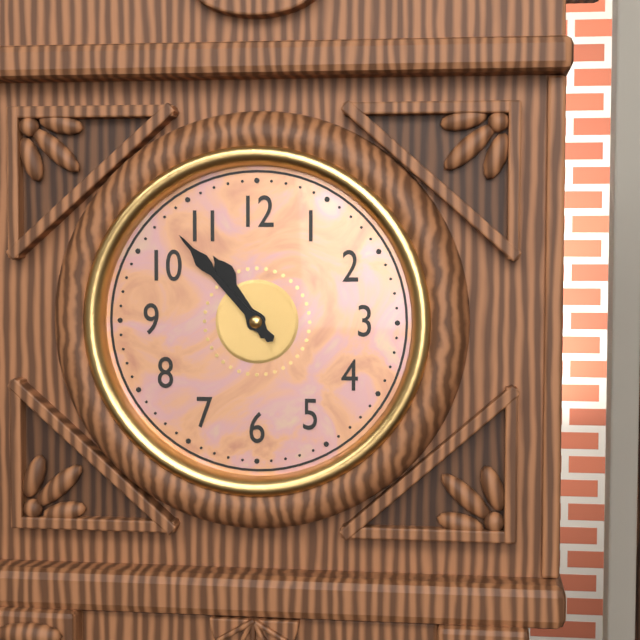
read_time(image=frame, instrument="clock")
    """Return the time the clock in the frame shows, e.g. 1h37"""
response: 10h53
